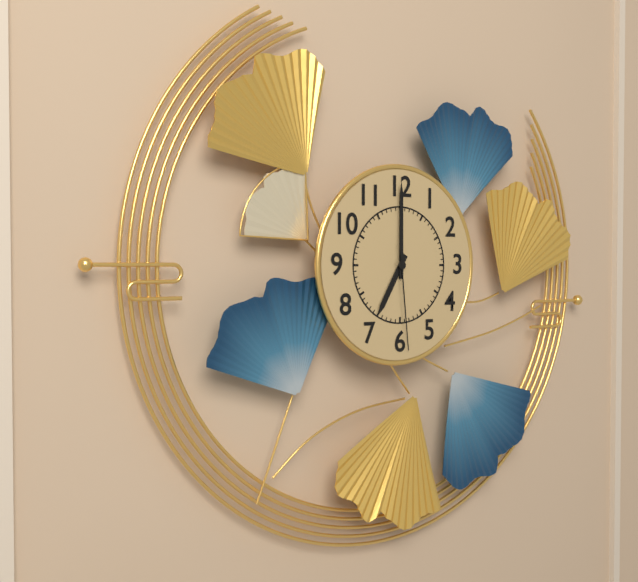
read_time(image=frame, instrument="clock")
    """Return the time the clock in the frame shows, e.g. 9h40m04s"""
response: 7h00m29s
